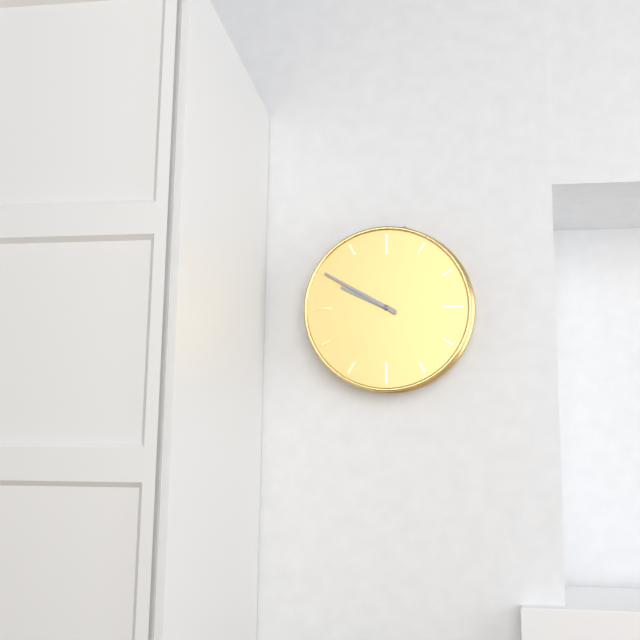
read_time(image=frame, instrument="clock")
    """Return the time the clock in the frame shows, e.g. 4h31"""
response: 9h50
